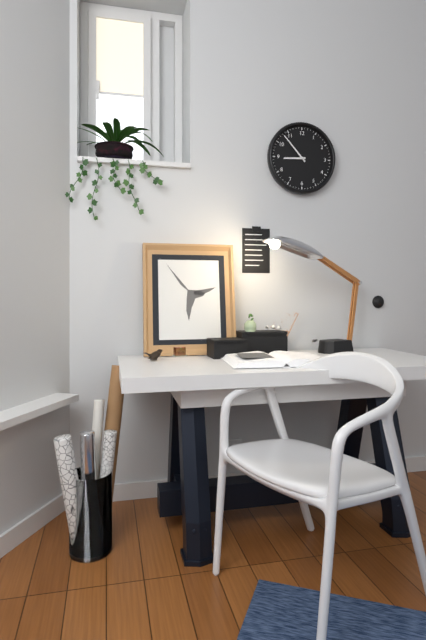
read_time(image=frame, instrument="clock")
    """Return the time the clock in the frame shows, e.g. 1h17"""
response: 8h53
